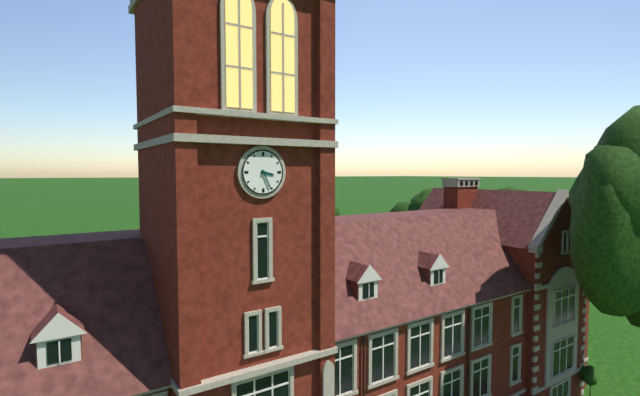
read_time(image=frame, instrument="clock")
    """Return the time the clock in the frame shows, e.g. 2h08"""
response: 3h26
